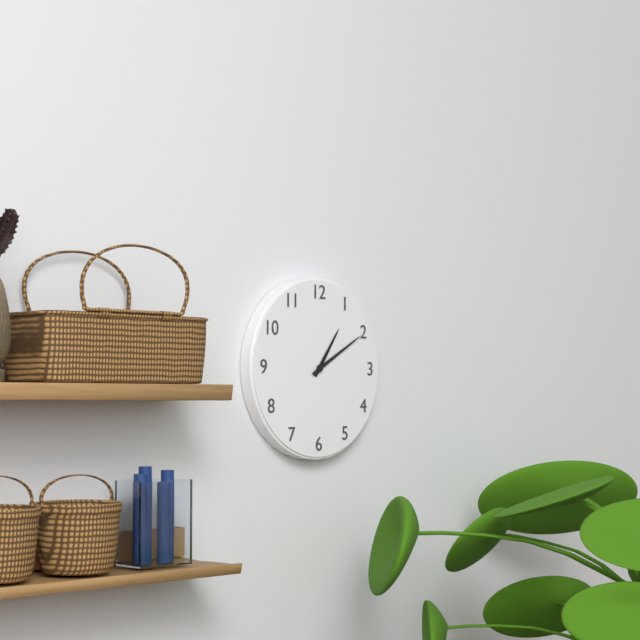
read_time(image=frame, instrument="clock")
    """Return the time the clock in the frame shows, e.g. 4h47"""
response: 1h10
